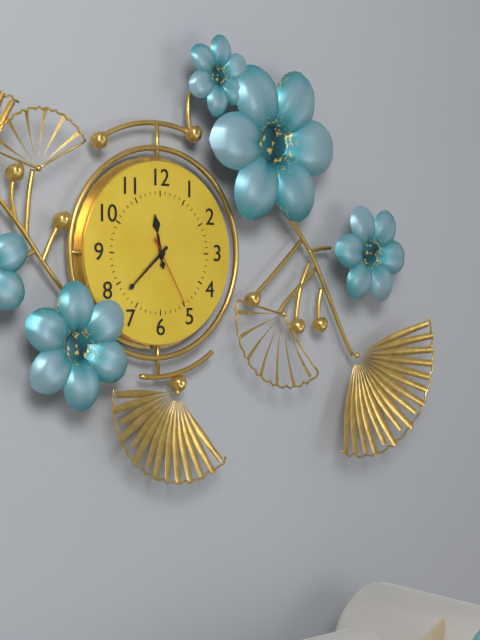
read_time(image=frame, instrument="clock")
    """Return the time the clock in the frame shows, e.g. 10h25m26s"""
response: 11h38m25s
